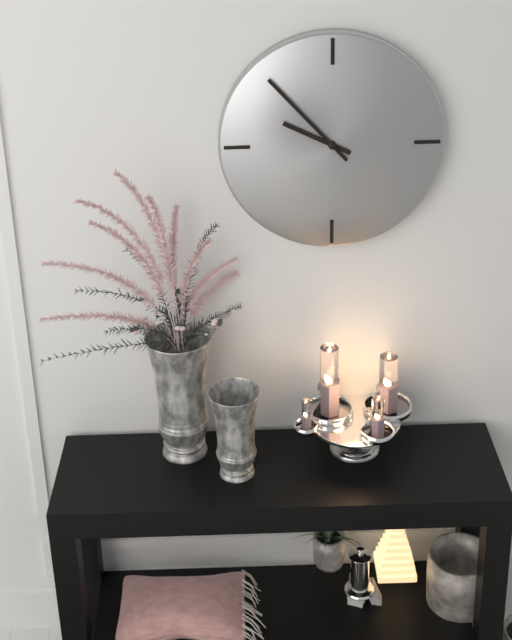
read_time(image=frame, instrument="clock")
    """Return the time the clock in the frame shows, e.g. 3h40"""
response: 9h53
